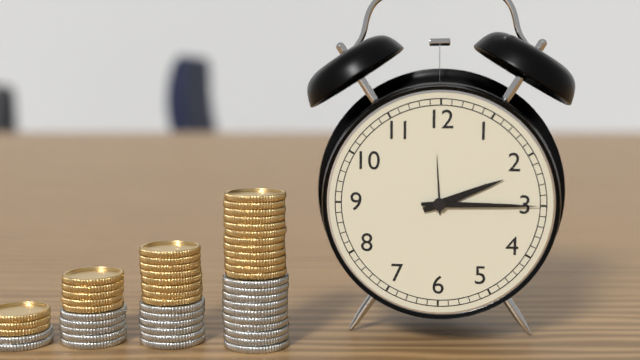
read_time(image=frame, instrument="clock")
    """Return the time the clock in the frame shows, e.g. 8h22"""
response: 2h15
